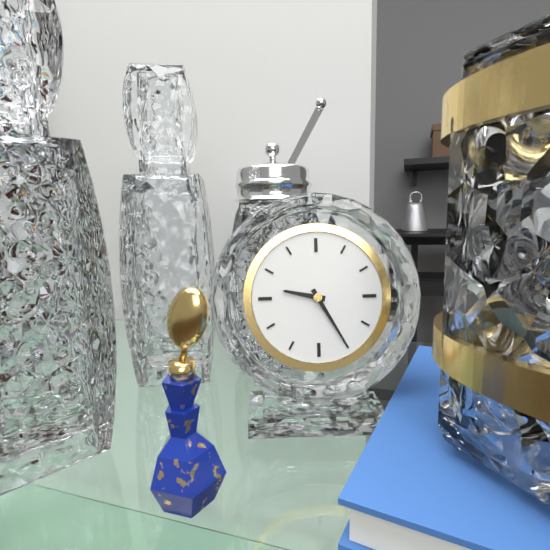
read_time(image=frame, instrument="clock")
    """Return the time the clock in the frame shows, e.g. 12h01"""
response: 9h25
